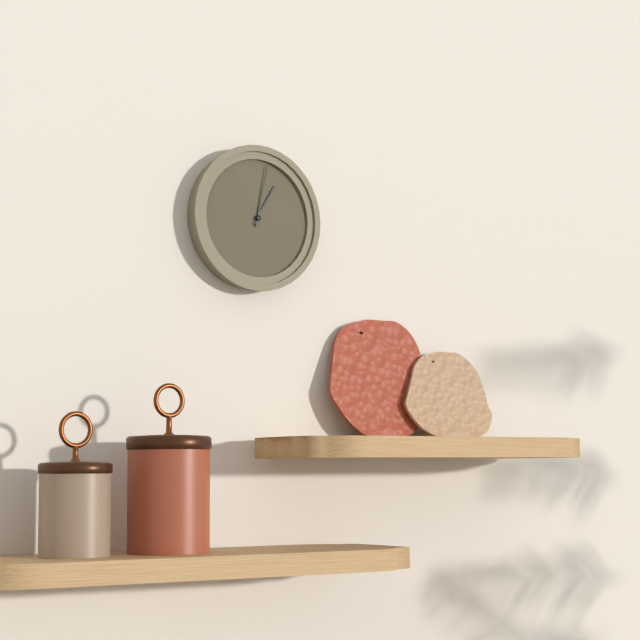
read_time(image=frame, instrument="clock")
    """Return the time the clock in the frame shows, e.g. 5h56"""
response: 1h02
